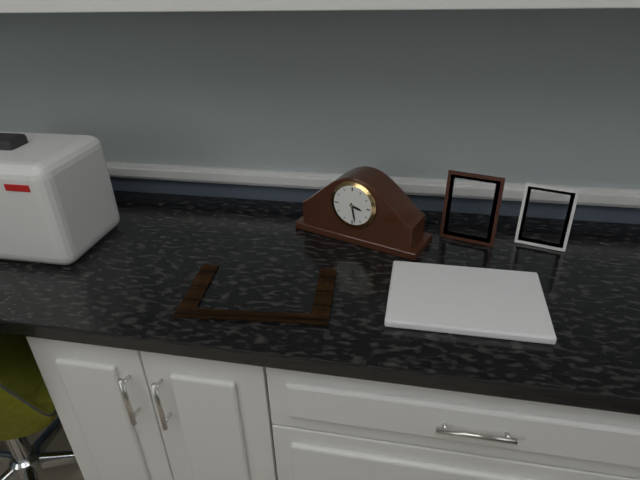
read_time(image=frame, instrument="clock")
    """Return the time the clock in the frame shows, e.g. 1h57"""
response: 3h28
